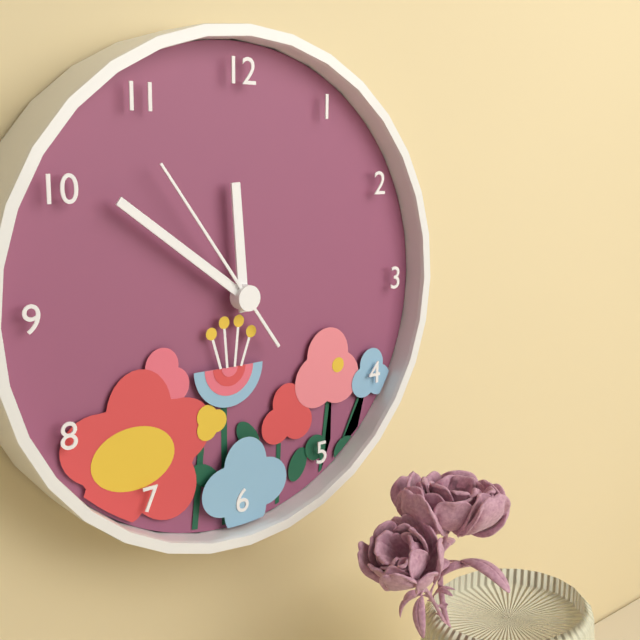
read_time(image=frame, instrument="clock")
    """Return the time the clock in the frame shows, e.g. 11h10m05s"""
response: 11h51m54s
